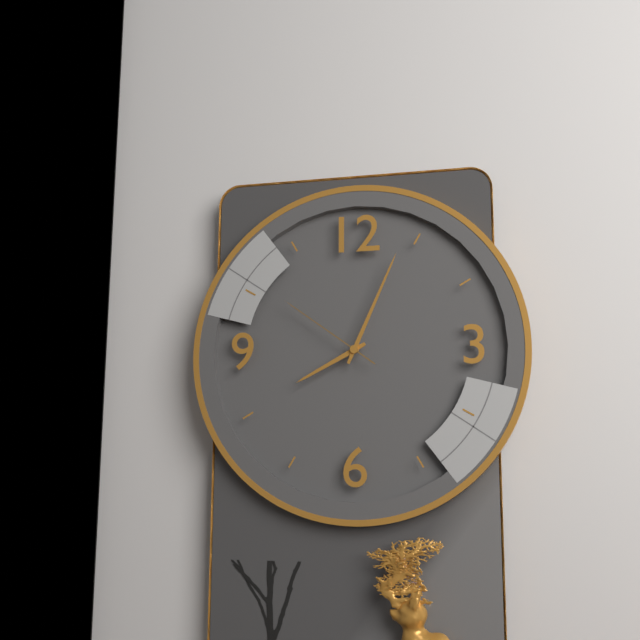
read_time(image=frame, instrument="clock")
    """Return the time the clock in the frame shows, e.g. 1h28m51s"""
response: 8h04m51s
